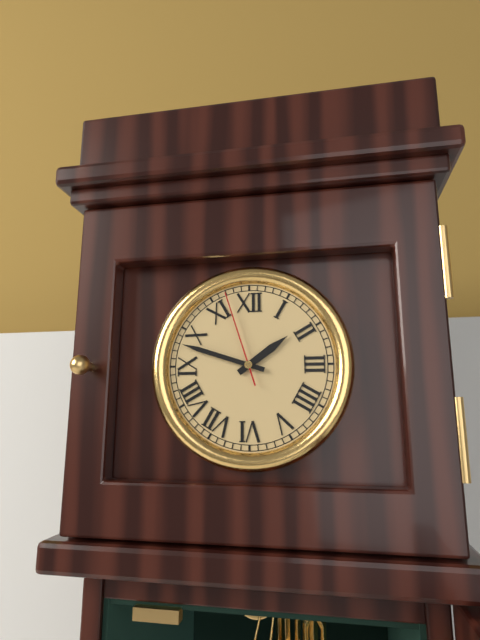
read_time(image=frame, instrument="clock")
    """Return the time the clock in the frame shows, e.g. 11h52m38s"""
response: 1h48m57s
